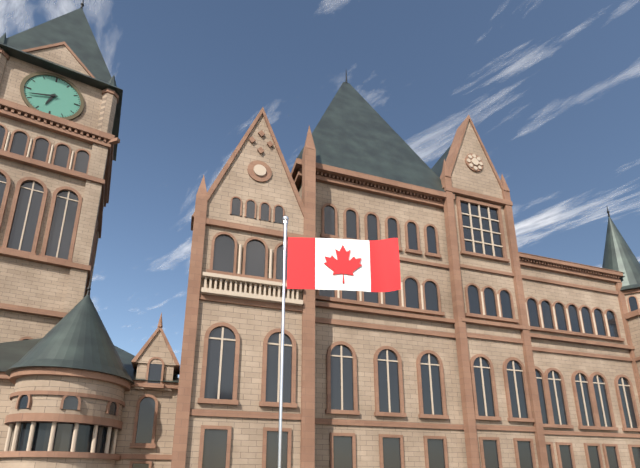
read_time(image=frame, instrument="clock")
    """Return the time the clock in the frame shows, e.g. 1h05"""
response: 6h42
